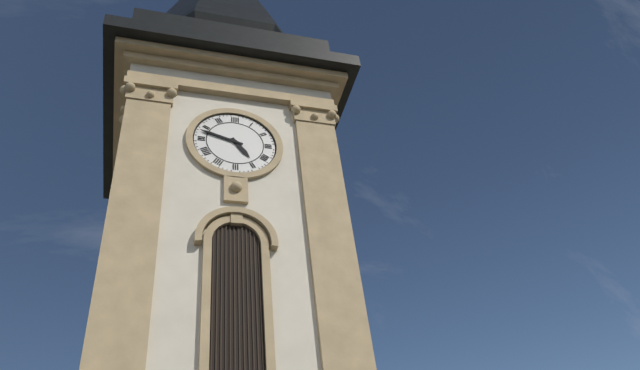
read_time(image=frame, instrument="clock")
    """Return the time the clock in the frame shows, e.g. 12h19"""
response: 4h48
